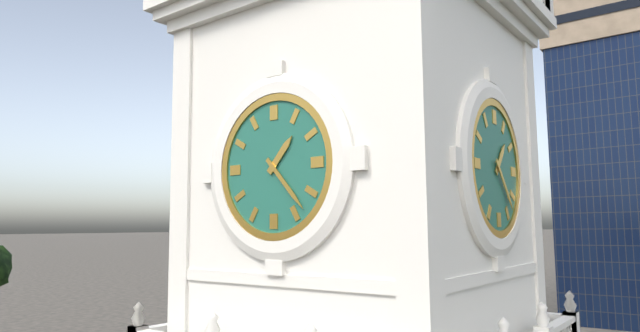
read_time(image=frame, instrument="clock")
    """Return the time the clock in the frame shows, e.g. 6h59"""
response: 1h23
